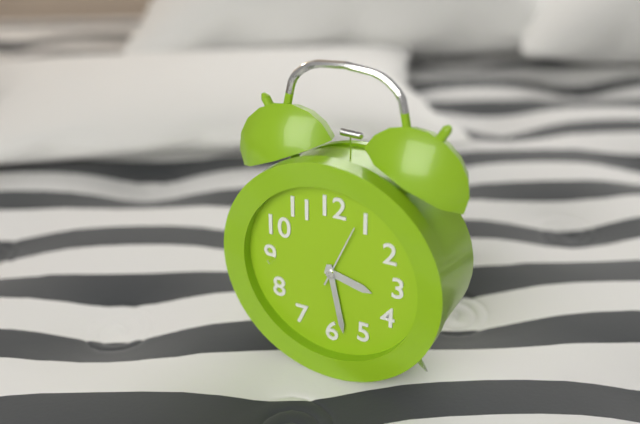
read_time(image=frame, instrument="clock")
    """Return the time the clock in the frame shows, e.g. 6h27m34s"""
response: 3h28m04s
